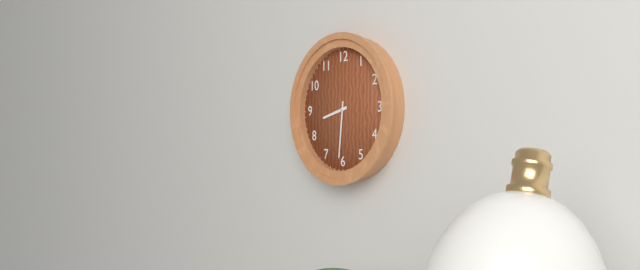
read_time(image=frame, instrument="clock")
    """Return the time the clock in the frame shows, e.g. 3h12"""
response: 8h31
